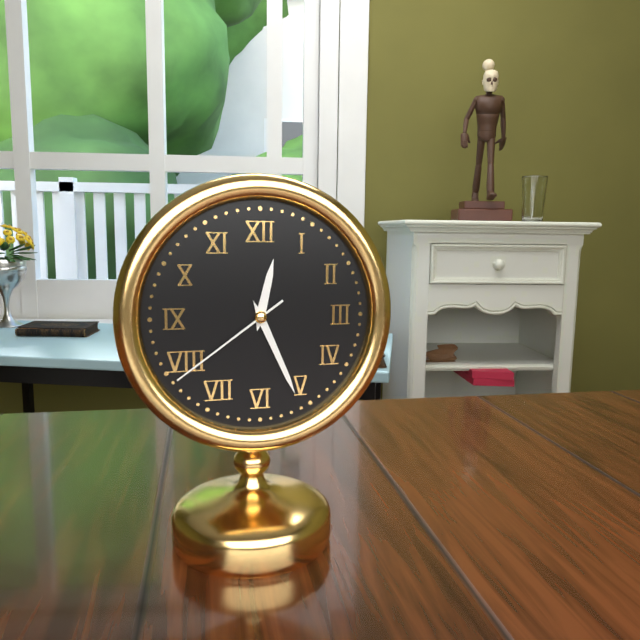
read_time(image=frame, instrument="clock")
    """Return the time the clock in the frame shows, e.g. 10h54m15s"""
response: 12h26m39s
